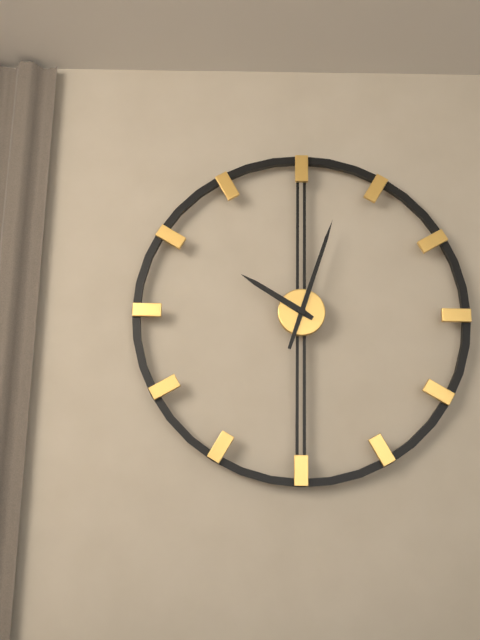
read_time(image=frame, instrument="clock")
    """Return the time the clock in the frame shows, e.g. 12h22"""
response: 10h03
